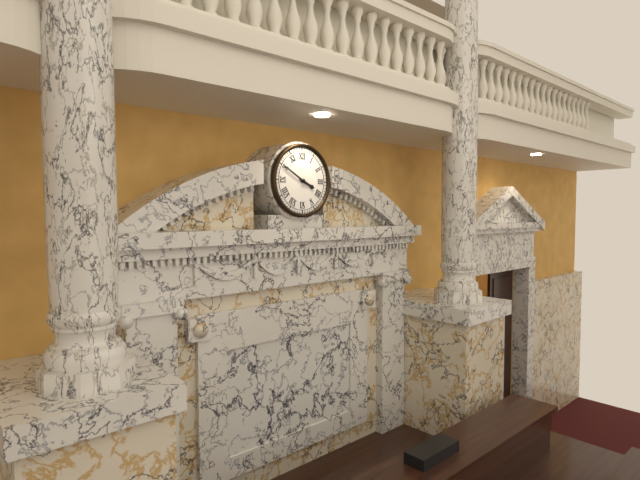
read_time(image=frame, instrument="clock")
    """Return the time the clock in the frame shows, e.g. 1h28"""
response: 3h50
